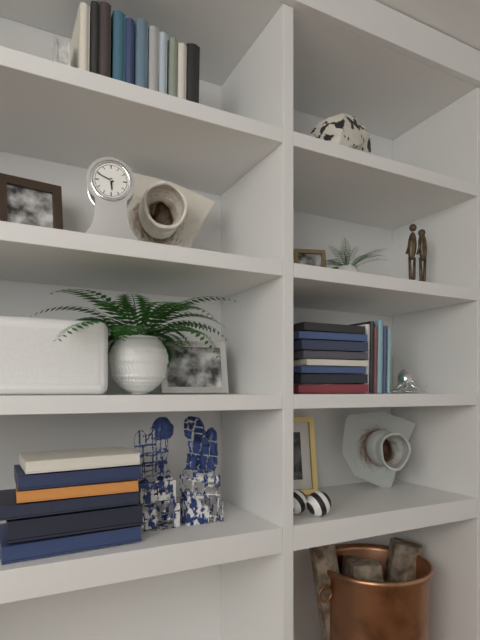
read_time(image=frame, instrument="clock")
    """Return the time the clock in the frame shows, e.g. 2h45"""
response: 5h49
